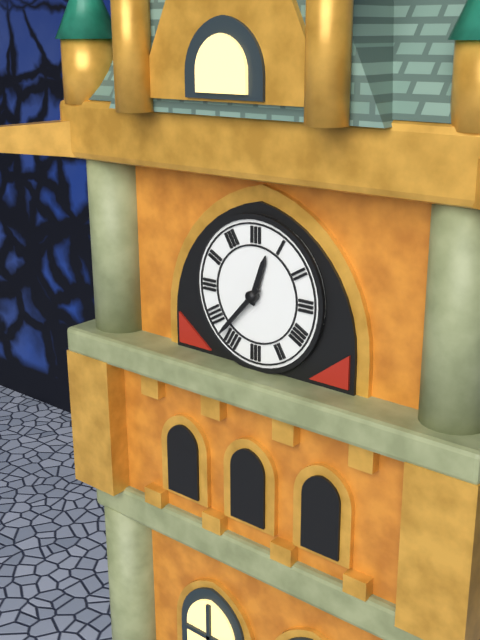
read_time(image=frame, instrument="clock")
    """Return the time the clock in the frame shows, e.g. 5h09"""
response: 12h37
